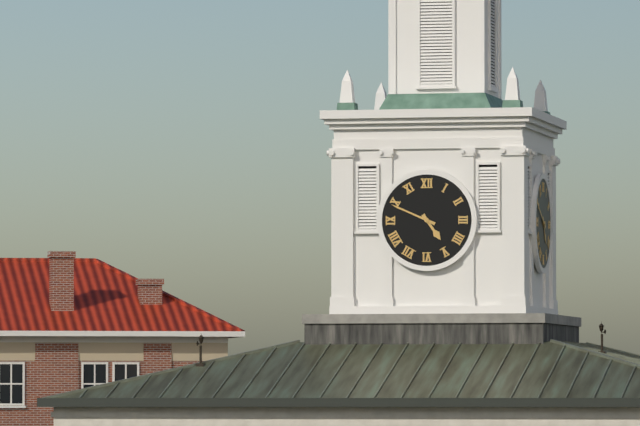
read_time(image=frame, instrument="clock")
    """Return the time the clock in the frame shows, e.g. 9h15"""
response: 4h49
